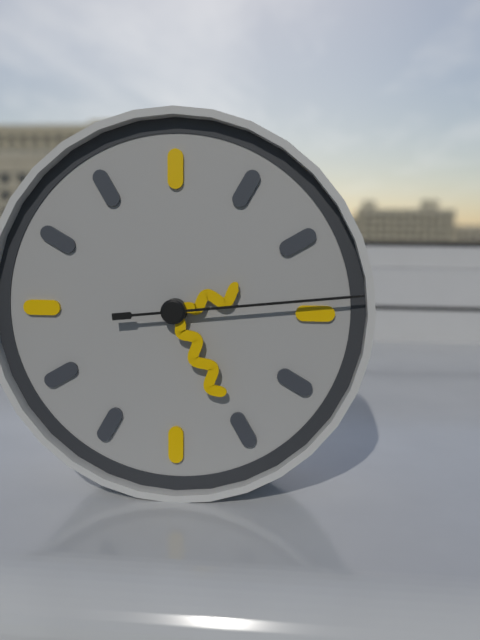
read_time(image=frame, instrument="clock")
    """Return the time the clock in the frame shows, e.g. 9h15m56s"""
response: 2h25m14s
